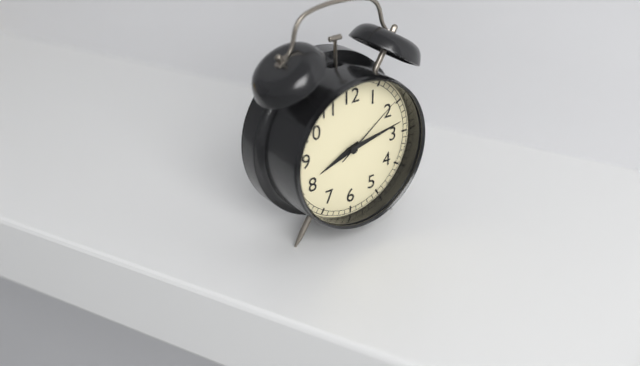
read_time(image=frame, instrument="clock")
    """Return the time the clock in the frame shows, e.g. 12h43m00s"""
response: 8h13m09s
